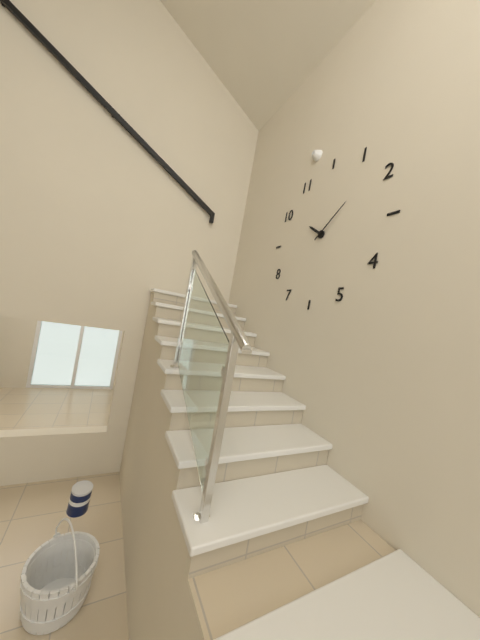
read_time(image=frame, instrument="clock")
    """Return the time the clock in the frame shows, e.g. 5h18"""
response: 10h08
